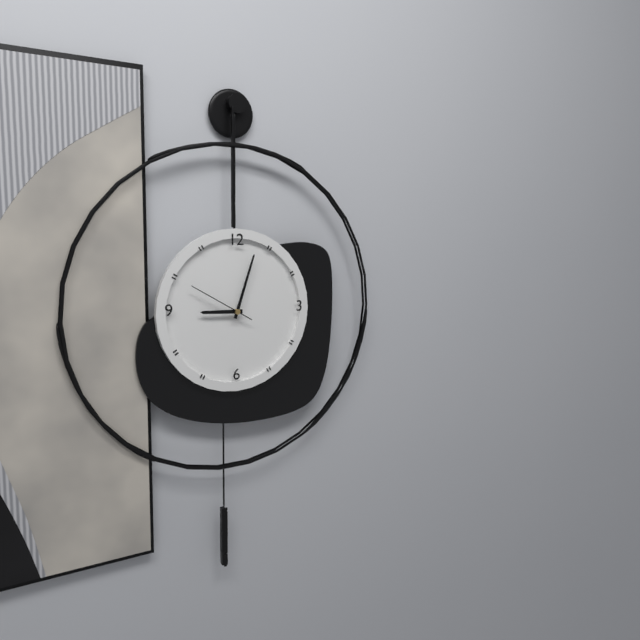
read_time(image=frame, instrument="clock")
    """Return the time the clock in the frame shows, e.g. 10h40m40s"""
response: 9h03m50s
